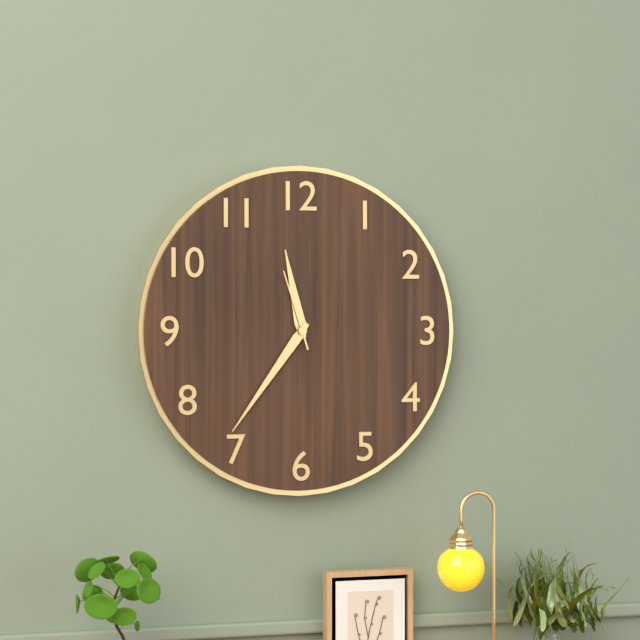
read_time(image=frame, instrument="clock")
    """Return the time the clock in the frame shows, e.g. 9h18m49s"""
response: 11h36m57s
